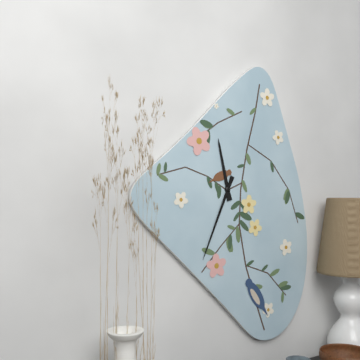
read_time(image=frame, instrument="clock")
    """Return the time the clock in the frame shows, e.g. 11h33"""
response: 11h34
